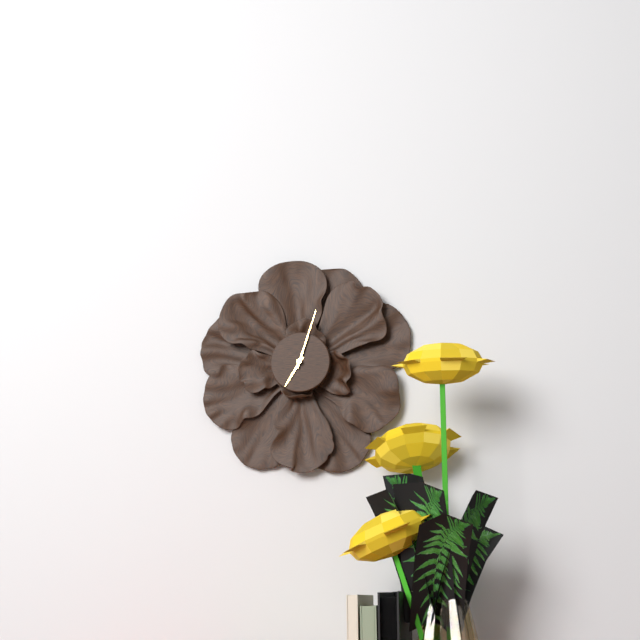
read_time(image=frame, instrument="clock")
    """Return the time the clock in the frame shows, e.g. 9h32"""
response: 7h03
